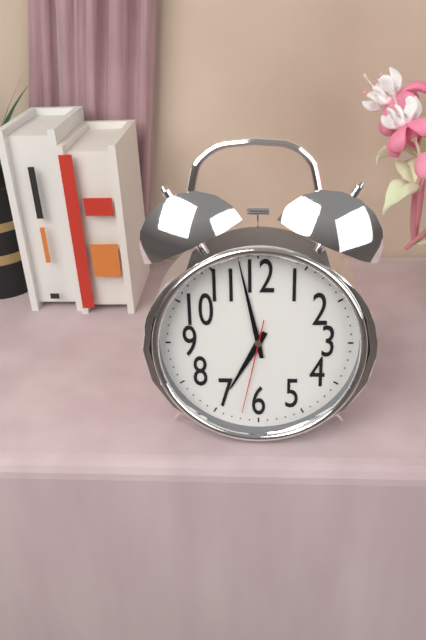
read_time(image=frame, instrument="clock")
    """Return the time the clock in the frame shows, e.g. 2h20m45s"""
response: 6h58m32s
